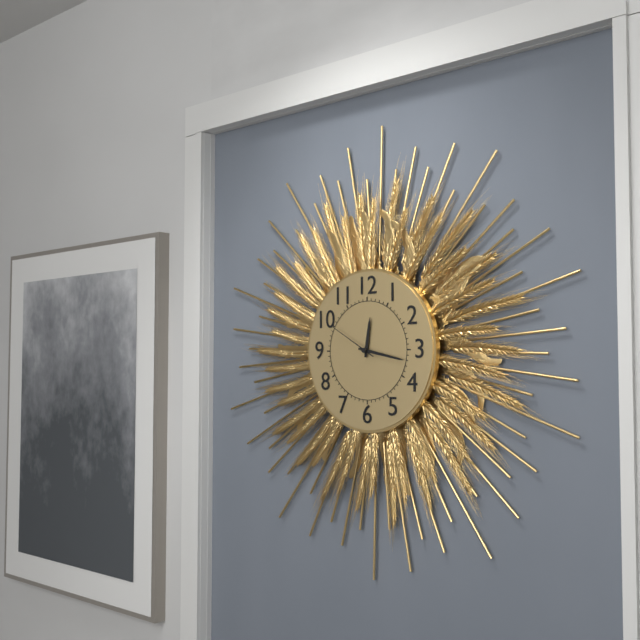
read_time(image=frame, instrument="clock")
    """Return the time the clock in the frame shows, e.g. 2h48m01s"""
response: 12h17m50s
